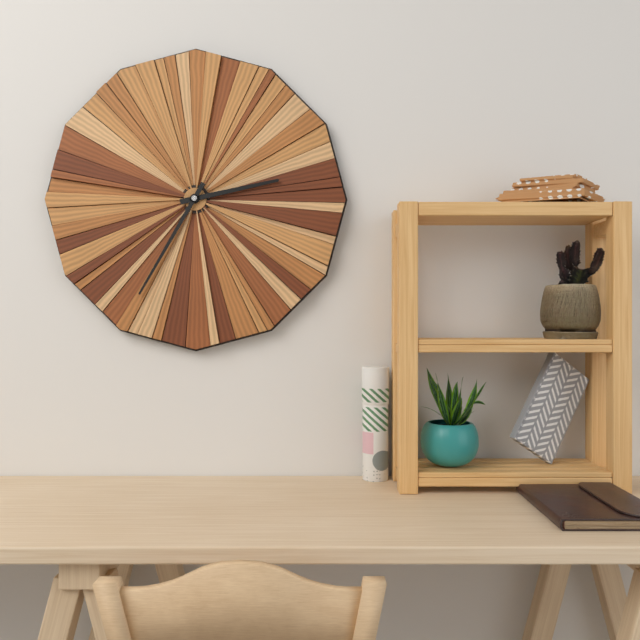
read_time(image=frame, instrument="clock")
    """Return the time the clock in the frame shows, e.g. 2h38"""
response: 2h35
